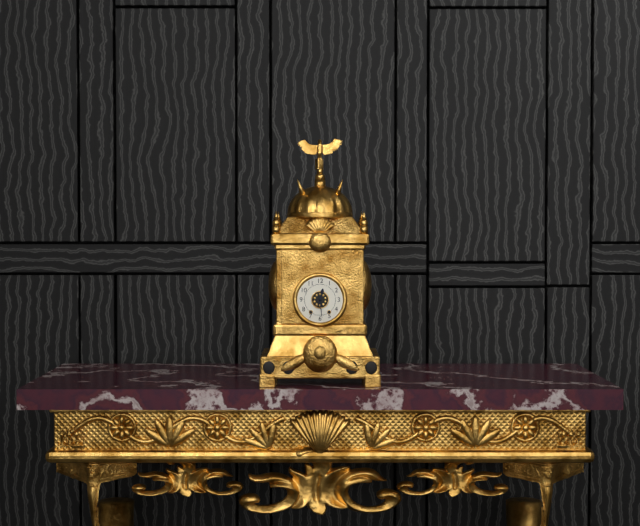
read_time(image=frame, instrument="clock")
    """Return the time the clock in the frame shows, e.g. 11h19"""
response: 12h29
